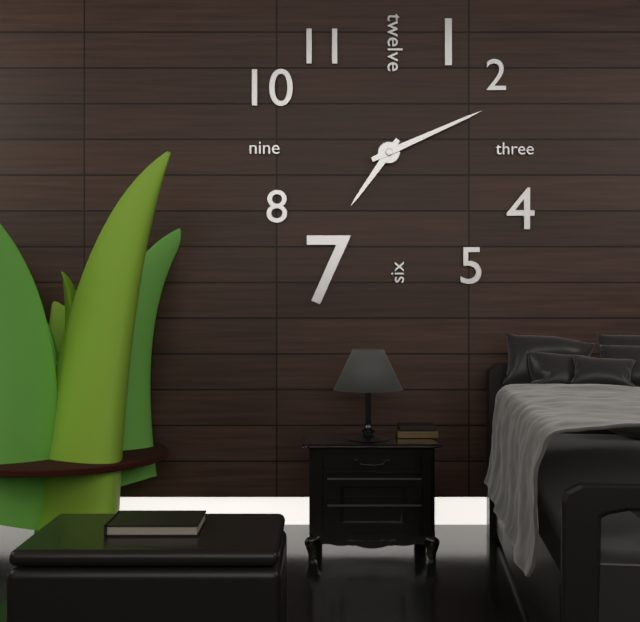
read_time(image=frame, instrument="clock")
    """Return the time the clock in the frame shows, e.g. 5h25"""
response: 7h11
